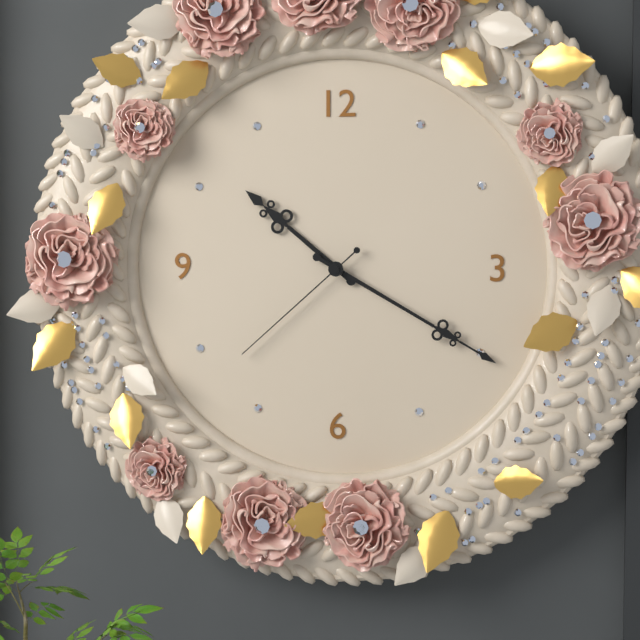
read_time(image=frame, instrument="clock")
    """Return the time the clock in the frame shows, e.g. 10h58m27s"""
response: 10h20m38s
